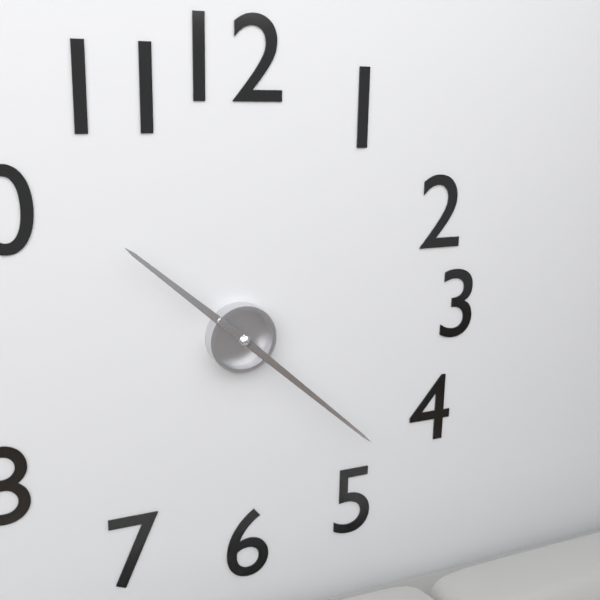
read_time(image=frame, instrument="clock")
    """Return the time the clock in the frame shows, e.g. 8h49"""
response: 10h22
